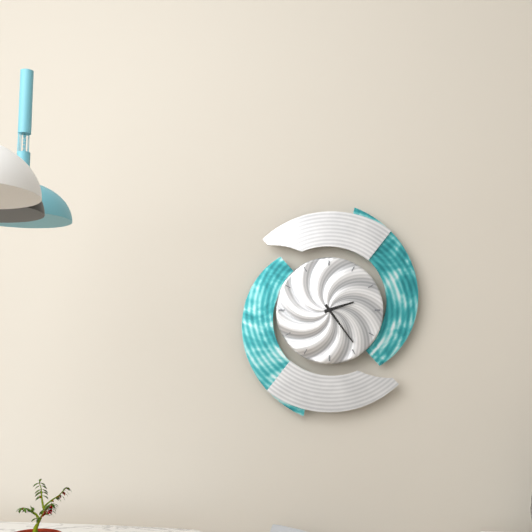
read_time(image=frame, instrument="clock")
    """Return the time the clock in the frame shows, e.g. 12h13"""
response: 2h24
